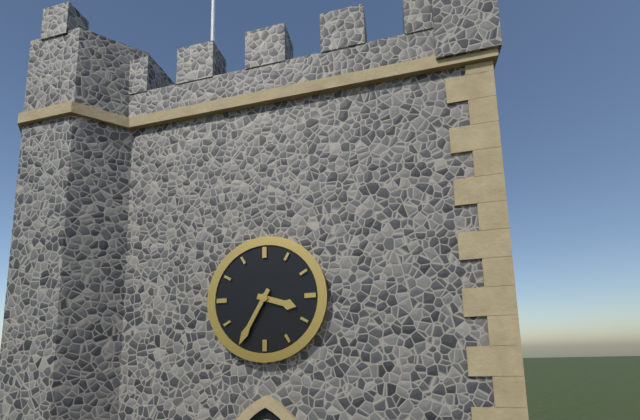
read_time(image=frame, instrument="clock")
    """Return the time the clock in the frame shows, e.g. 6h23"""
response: 3h35
